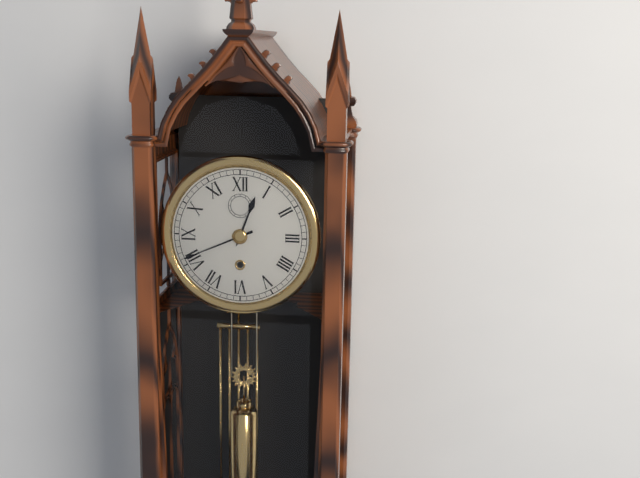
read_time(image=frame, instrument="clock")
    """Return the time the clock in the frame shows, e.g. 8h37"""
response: 12h41
